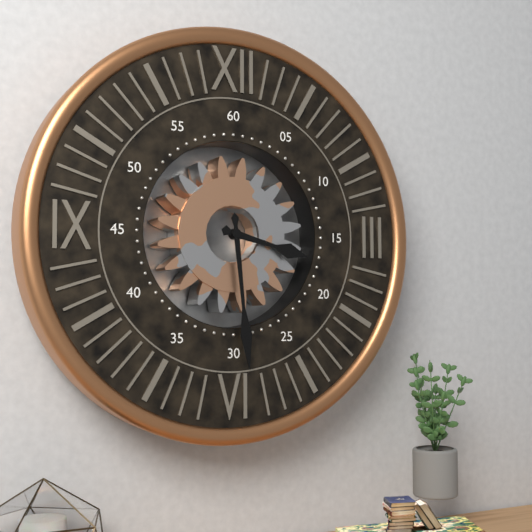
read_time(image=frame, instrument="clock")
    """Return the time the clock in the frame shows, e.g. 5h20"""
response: 3h29
